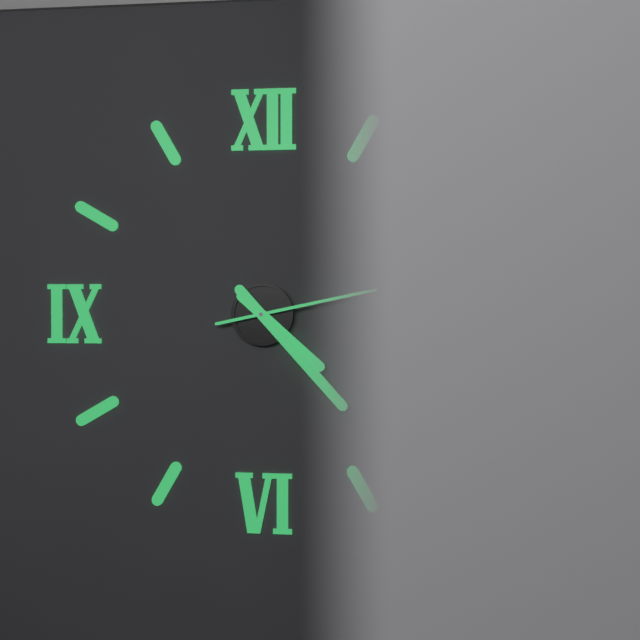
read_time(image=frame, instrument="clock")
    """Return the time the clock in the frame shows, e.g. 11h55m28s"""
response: 4h23m13s
